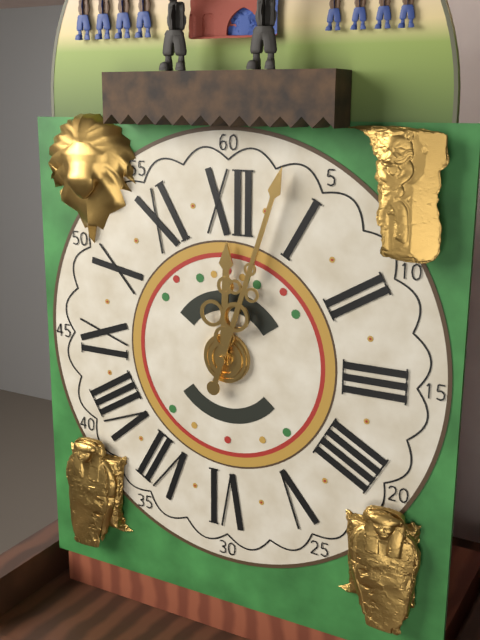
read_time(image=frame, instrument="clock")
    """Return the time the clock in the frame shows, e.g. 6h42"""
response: 12h03
